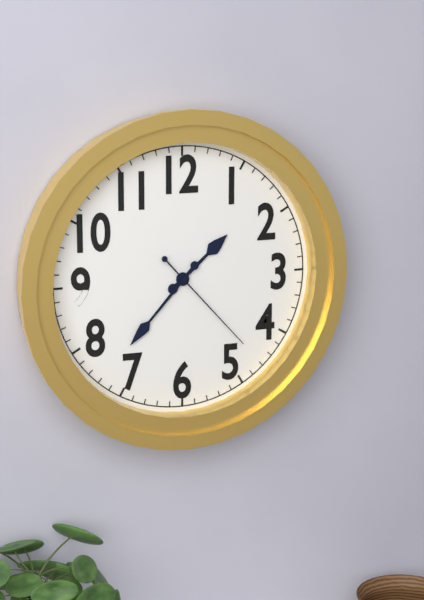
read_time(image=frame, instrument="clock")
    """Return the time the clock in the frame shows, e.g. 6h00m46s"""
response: 1h37m23s
